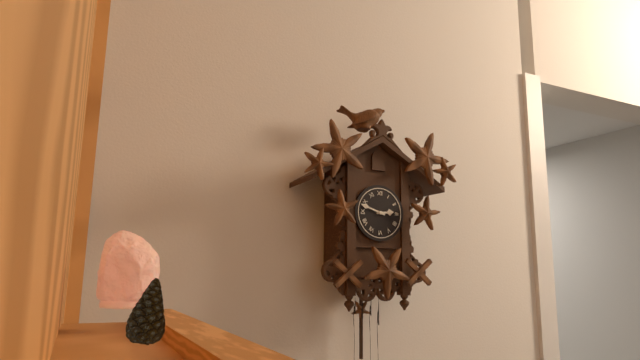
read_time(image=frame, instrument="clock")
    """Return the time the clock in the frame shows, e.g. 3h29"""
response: 2h48
